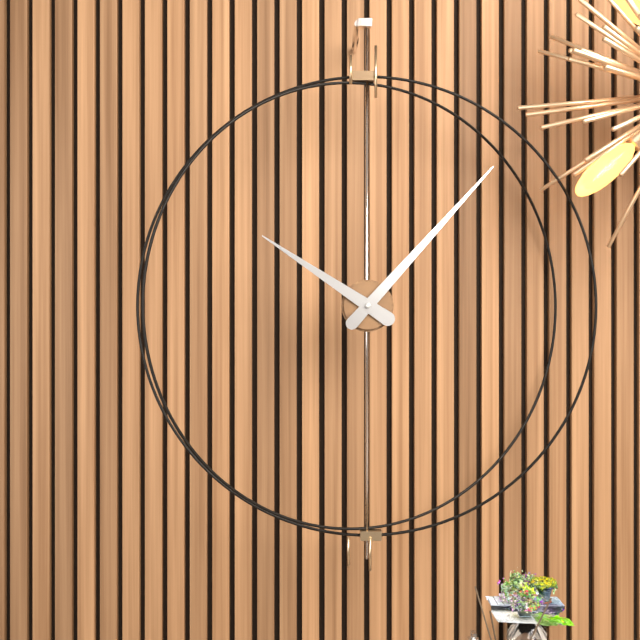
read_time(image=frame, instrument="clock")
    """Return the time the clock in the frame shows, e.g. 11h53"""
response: 10h07
